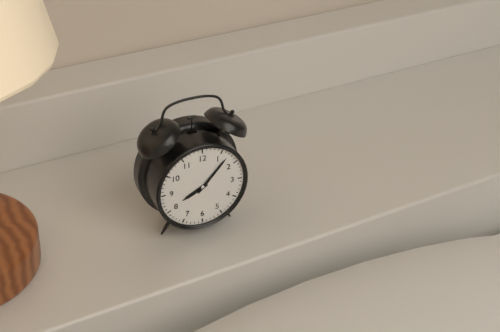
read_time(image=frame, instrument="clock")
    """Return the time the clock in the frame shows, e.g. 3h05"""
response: 8h07
